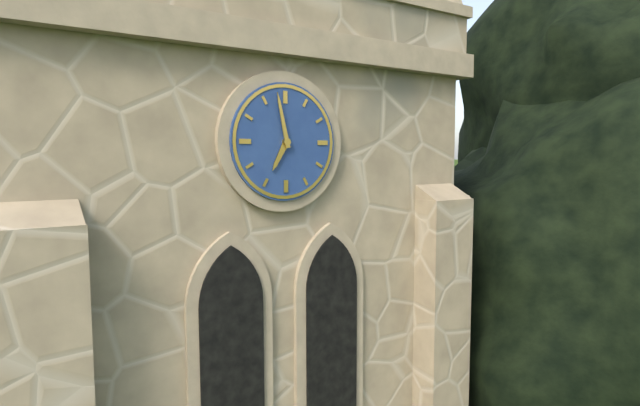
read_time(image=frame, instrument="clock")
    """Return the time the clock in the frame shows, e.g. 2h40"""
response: 6h58
